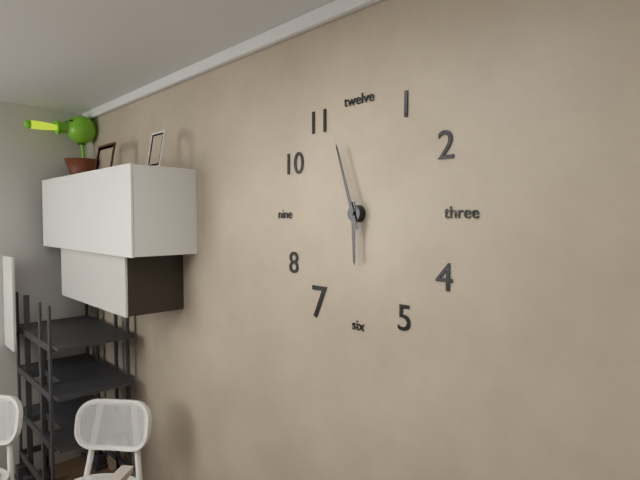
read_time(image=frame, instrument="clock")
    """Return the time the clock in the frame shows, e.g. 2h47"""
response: 5h57
